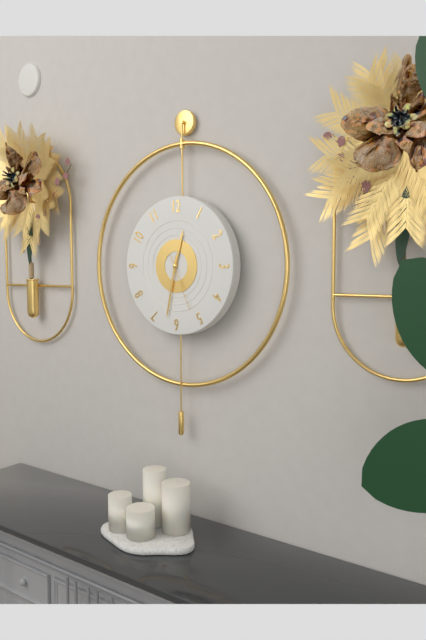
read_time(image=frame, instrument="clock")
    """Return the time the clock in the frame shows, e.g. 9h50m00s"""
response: 12h32m26s
